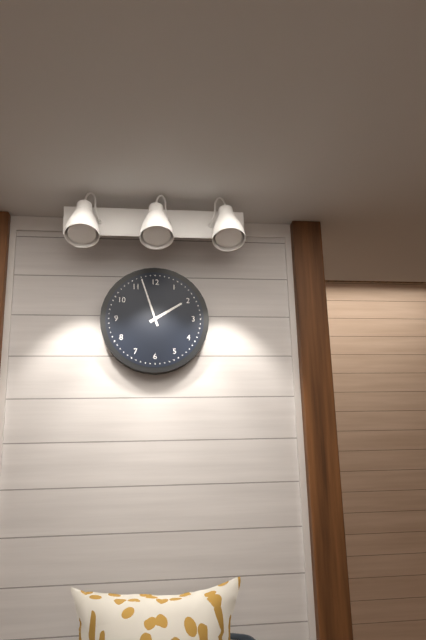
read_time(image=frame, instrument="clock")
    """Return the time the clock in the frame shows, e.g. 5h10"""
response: 1h57
